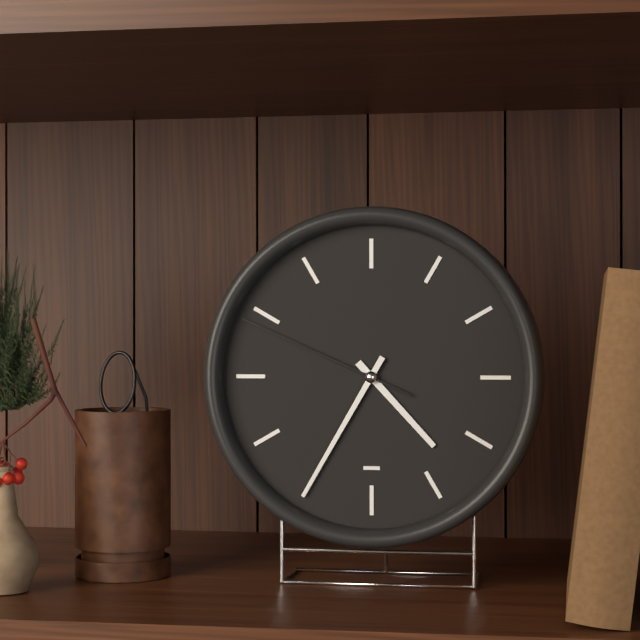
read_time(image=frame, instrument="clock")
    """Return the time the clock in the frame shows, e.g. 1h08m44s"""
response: 4h35m49s
